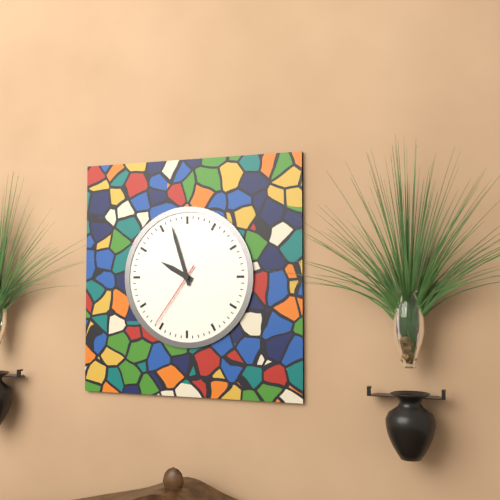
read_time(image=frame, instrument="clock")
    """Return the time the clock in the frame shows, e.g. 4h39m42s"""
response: 9h57m36s
